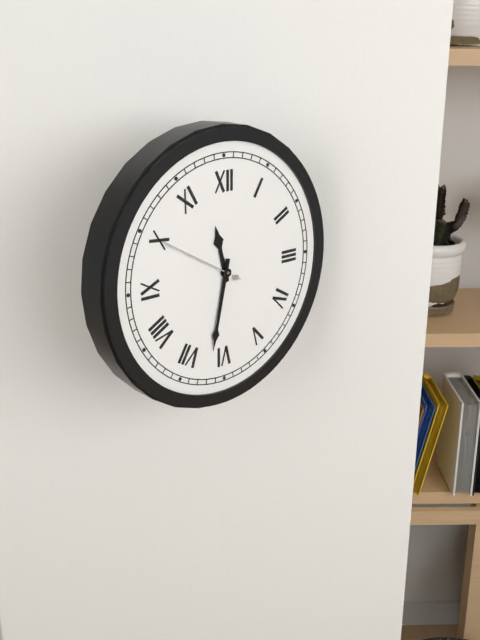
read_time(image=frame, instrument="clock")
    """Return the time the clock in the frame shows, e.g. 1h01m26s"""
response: 11h32m50s
